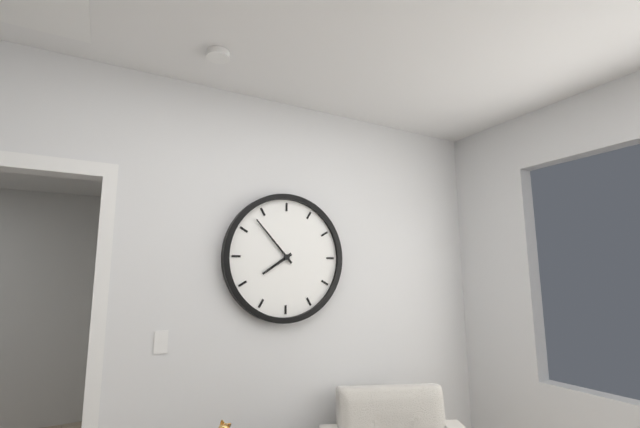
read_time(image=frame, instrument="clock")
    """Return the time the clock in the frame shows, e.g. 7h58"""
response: 7h53
